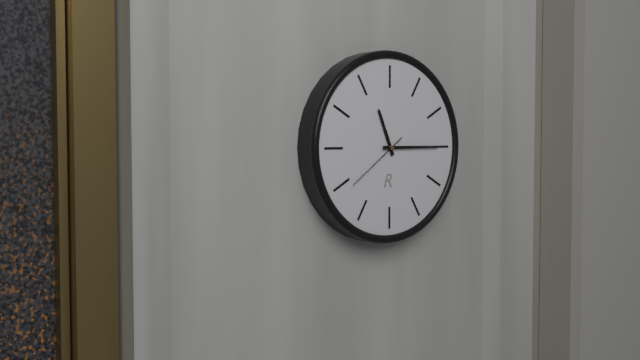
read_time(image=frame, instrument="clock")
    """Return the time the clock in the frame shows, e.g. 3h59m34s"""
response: 11h15m39s
